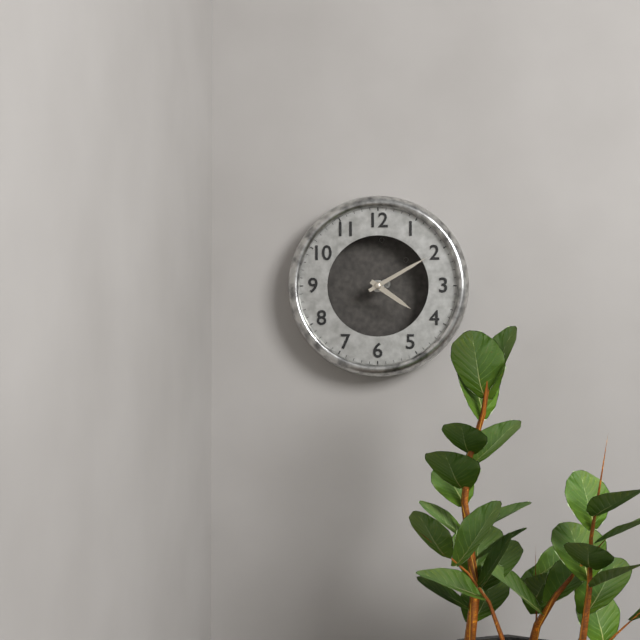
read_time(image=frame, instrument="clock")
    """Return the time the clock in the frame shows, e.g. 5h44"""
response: 4h10
